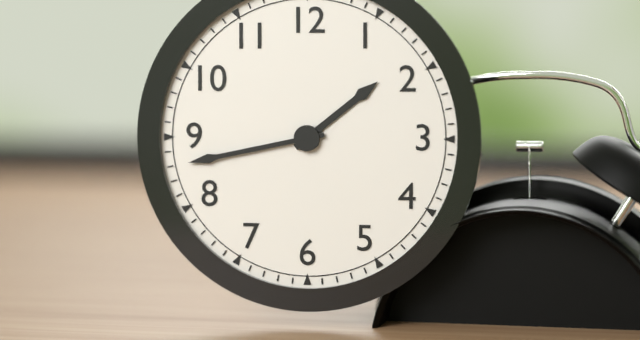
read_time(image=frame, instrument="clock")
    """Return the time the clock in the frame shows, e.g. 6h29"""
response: 1h43
